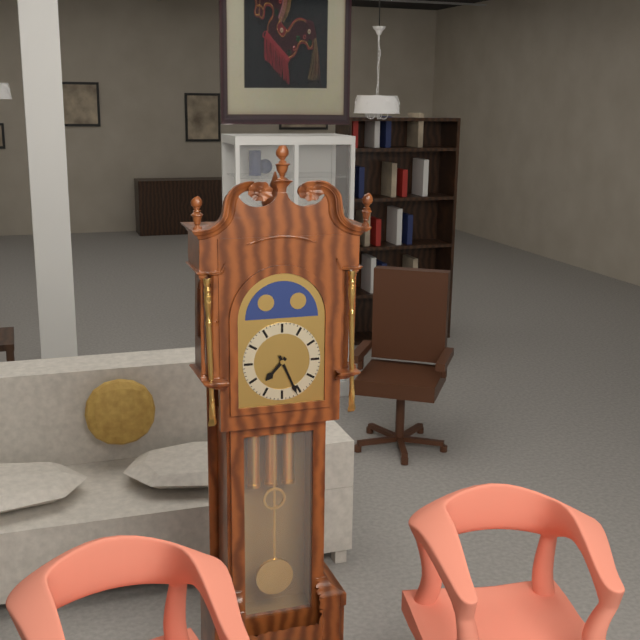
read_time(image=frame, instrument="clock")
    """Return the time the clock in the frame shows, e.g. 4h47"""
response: 7h26
